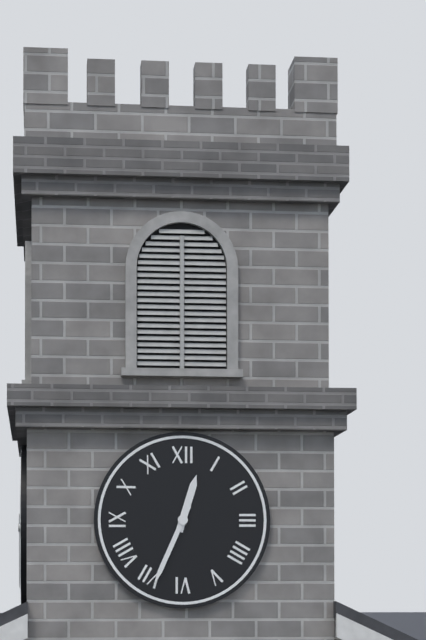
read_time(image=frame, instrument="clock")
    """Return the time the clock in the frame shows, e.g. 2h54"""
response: 12h34
